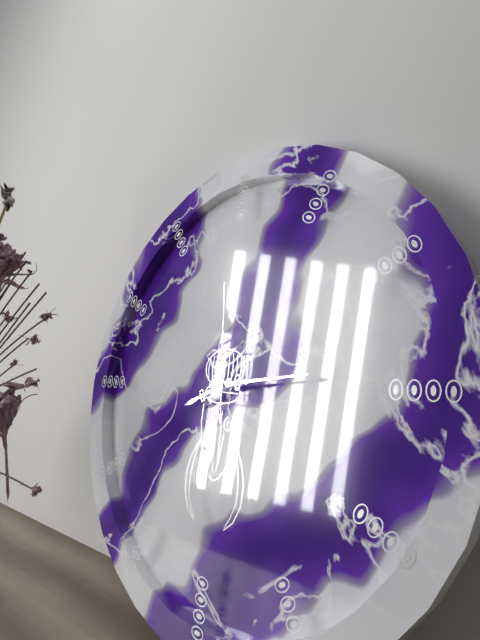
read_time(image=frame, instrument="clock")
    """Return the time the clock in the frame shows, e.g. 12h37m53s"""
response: 8h14m59s
